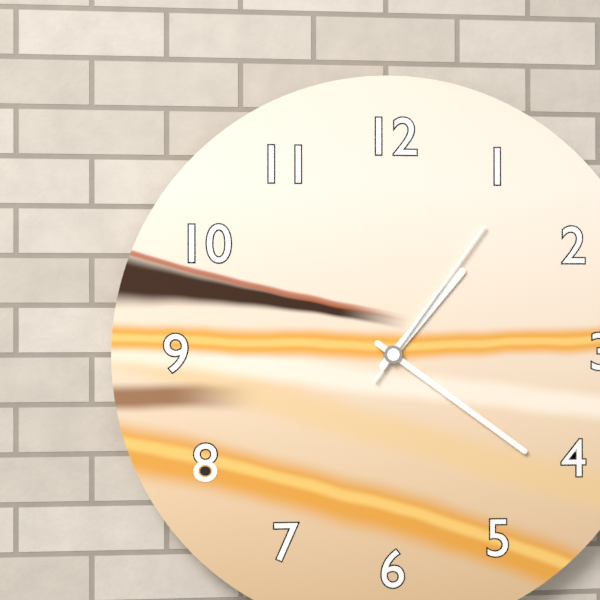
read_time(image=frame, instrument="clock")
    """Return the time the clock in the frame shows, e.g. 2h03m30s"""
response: 1h21m06s
